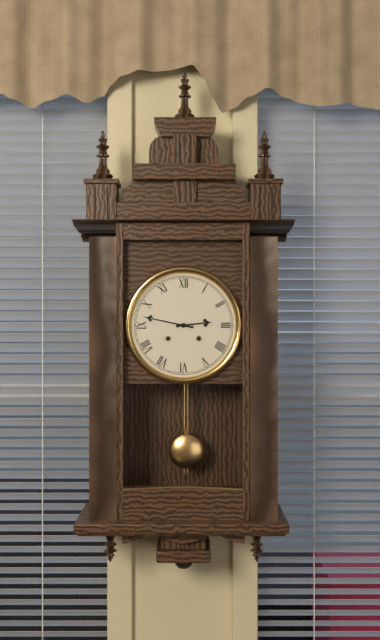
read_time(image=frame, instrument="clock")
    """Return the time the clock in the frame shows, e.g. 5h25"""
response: 2h47
